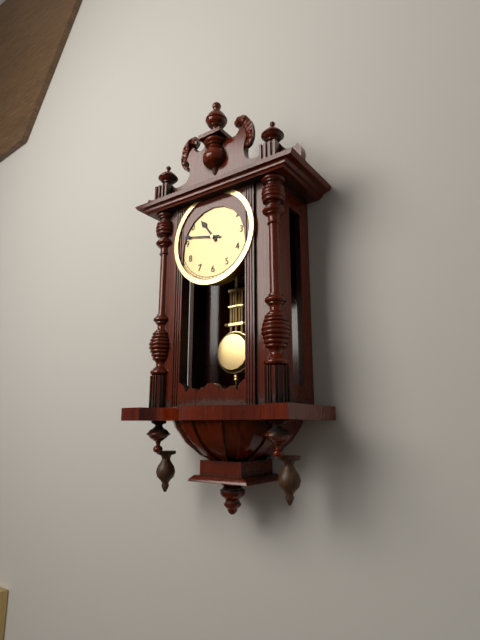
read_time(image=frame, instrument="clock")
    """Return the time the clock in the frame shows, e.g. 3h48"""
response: 10h47
